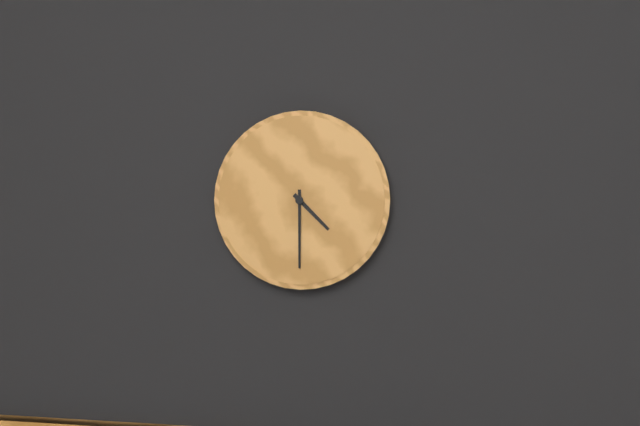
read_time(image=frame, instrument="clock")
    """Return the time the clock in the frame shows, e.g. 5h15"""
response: 4h30
